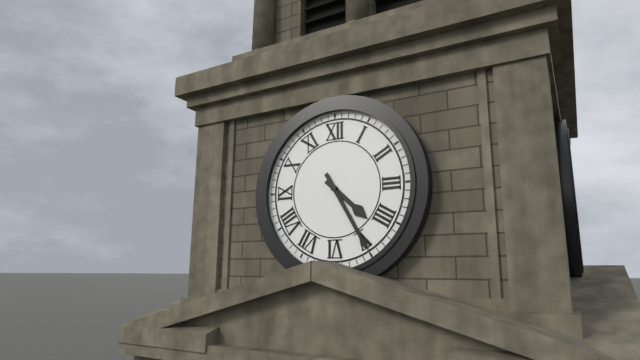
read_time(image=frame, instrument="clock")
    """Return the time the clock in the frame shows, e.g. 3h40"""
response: 4h25
